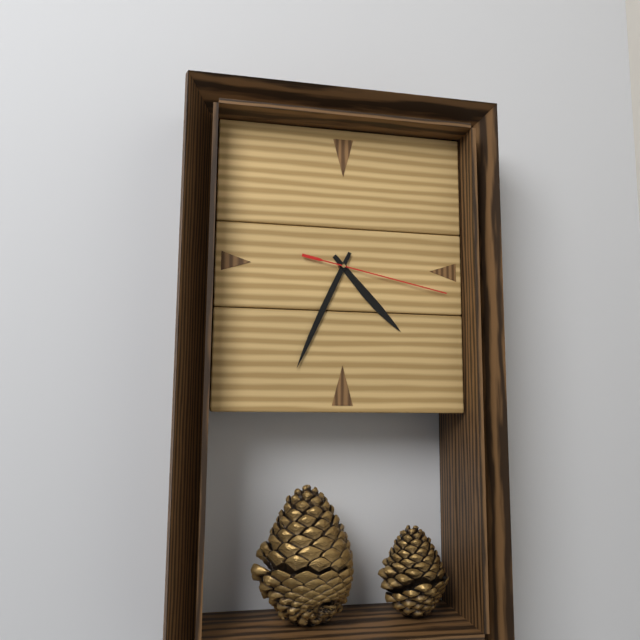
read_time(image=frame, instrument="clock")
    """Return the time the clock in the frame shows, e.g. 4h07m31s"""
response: 4h34m17s
